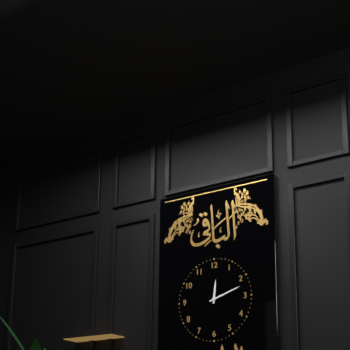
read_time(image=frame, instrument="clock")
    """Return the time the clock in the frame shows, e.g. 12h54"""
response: 12h12
